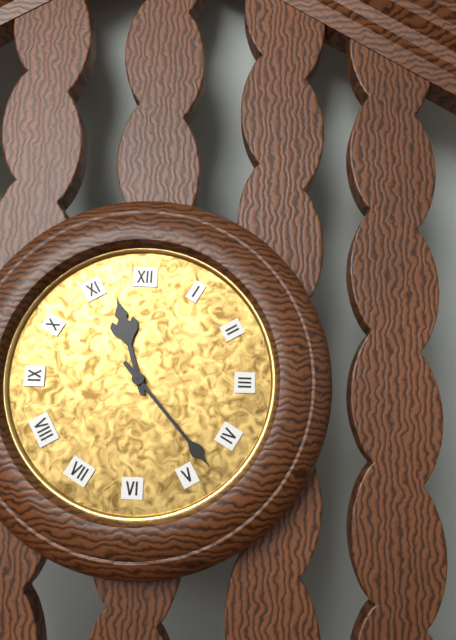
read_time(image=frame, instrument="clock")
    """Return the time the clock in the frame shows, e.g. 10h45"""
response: 11h23
